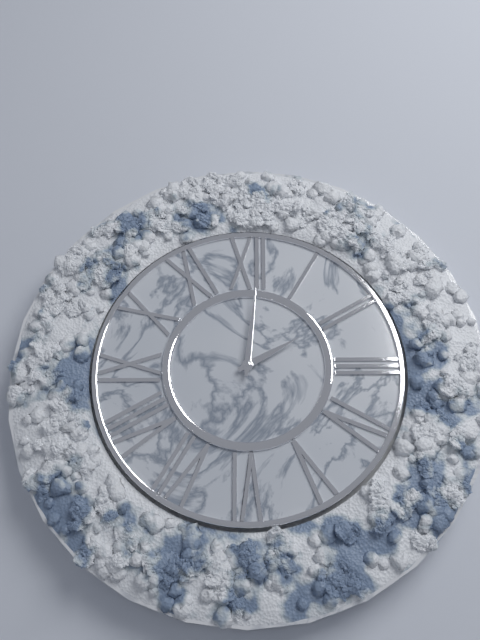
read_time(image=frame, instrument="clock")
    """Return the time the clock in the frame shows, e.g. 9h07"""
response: 2h01
